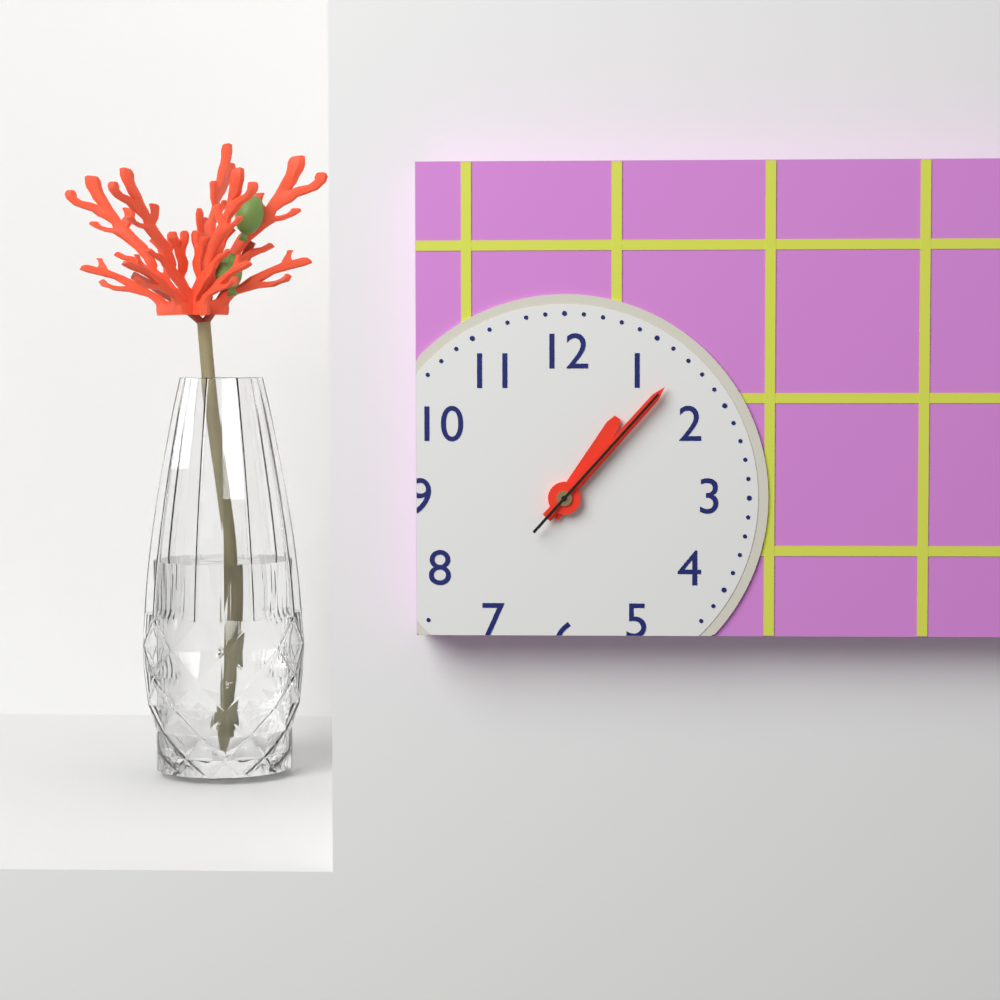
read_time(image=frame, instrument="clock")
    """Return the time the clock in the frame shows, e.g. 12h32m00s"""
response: 1h07m07s
